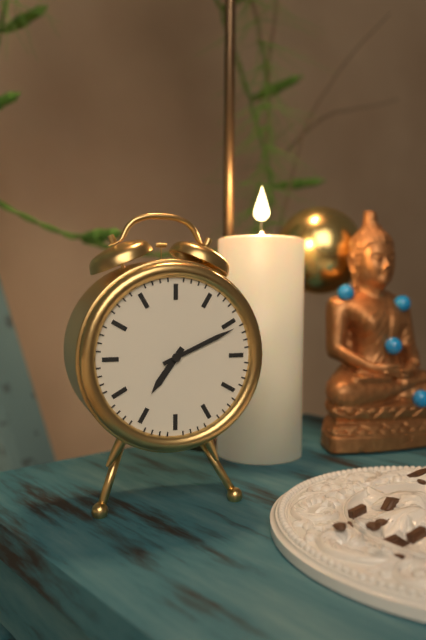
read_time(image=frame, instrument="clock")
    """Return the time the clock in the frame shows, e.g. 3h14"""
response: 7h11
